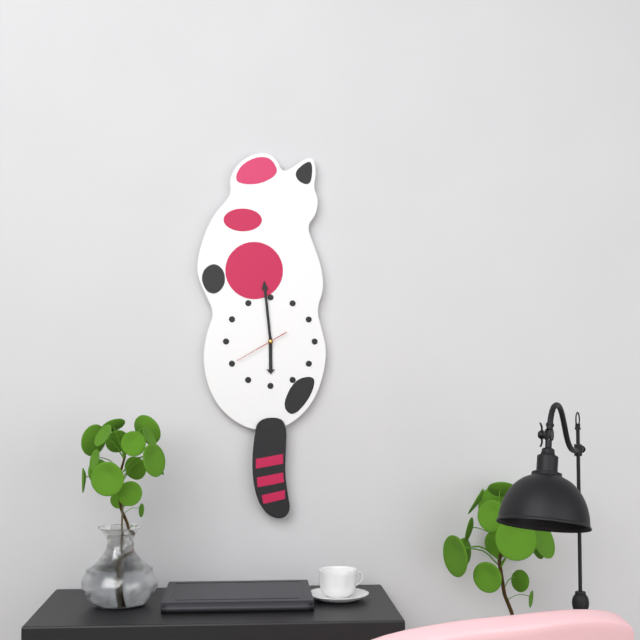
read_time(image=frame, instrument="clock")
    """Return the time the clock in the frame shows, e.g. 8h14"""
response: 5h59
